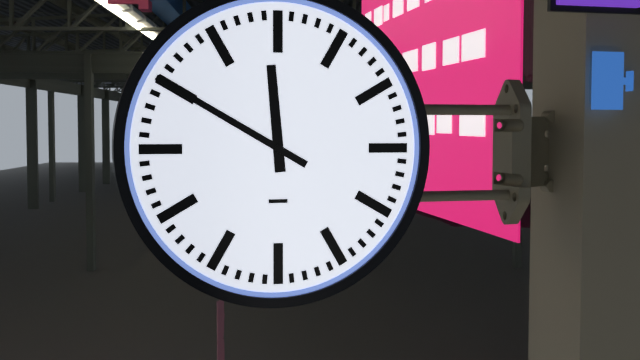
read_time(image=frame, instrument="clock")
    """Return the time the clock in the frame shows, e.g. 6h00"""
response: 11h50
